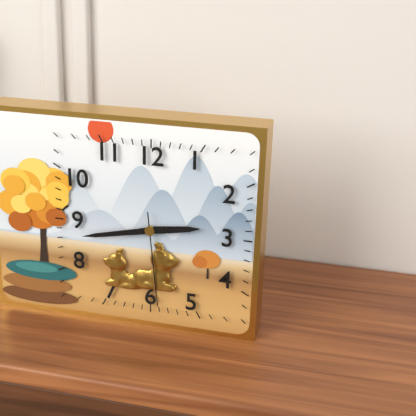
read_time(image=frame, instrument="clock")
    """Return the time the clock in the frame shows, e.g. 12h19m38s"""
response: 2h43m29s
